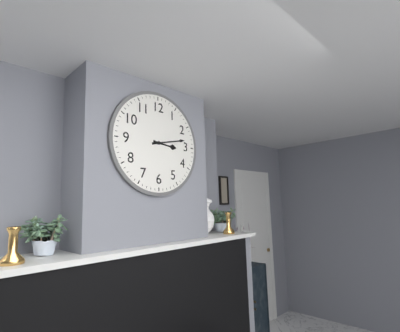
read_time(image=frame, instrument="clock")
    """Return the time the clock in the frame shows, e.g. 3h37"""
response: 3h13
